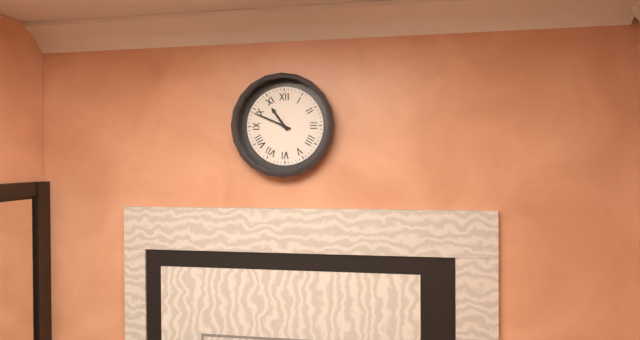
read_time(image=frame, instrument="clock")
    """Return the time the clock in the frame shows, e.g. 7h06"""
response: 10h49
